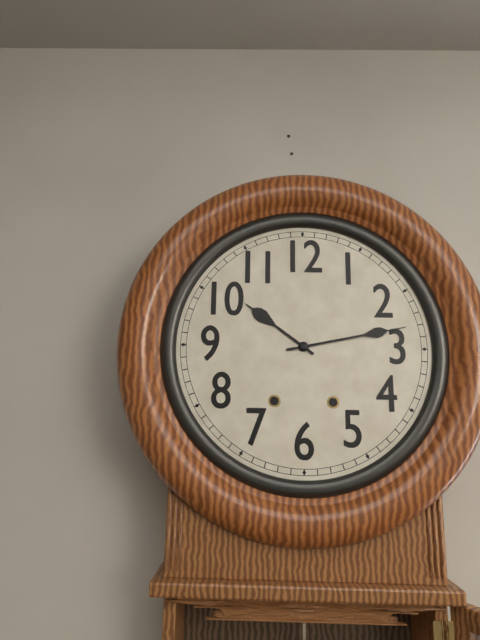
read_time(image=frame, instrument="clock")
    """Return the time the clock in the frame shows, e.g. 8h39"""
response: 10h13
